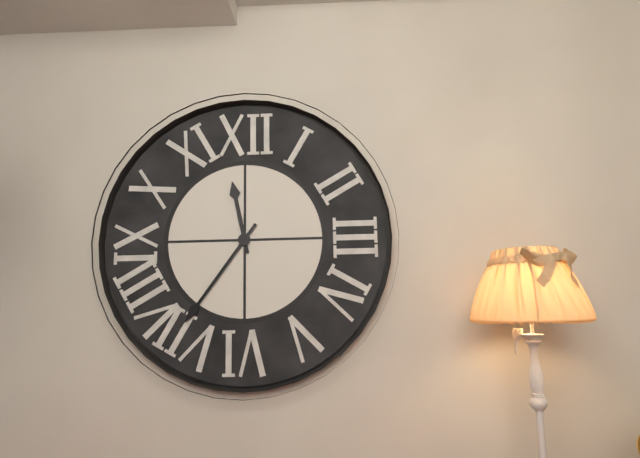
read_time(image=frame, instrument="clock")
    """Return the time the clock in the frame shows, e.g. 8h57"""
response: 11h36
